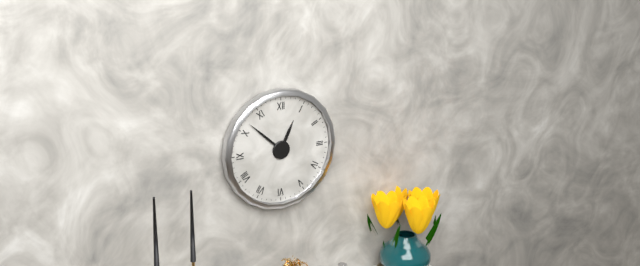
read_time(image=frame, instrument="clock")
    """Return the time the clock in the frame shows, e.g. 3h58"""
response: 12h52
